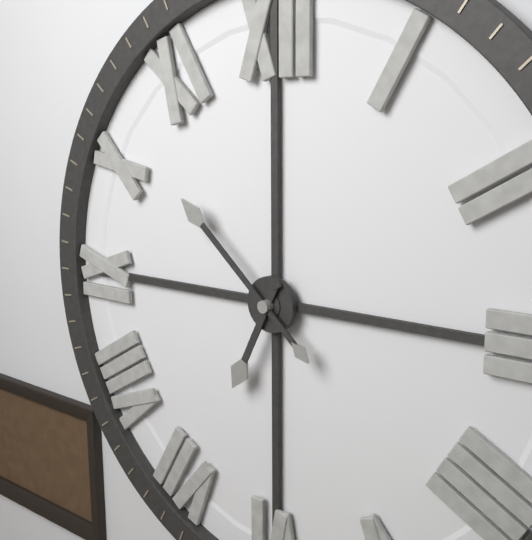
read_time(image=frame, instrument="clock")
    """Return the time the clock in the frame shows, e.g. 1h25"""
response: 6h52
